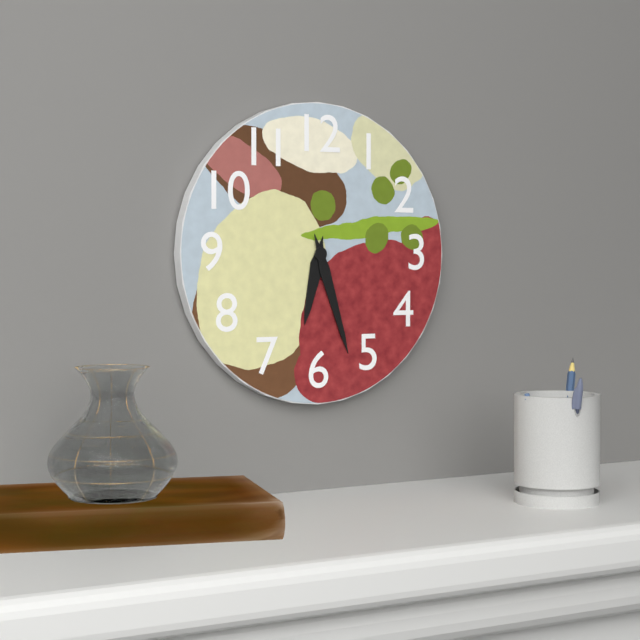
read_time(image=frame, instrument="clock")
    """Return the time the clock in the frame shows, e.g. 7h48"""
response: 6h27
